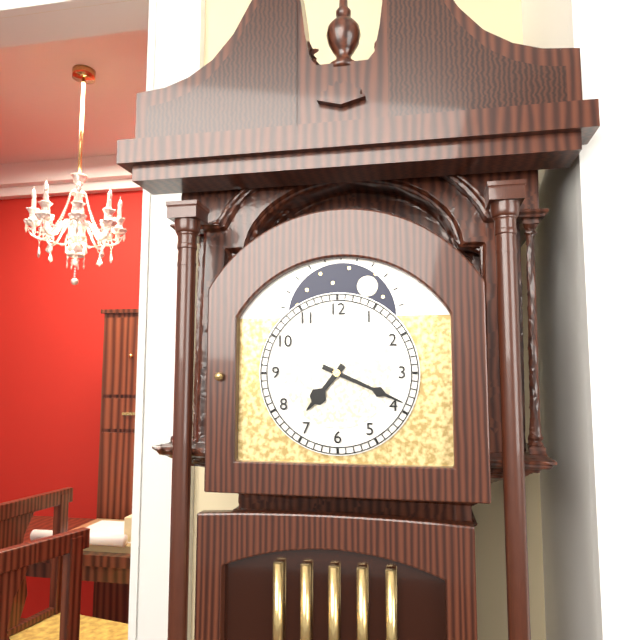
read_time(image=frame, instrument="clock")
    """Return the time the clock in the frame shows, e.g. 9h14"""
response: 7h19
